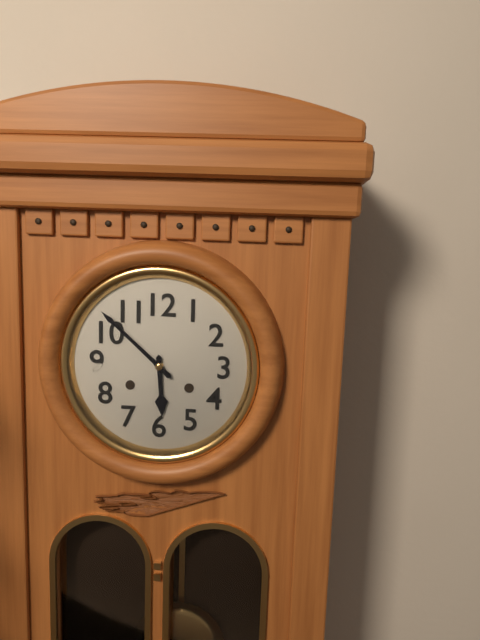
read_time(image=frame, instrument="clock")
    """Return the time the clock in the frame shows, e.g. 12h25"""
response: 5h52
